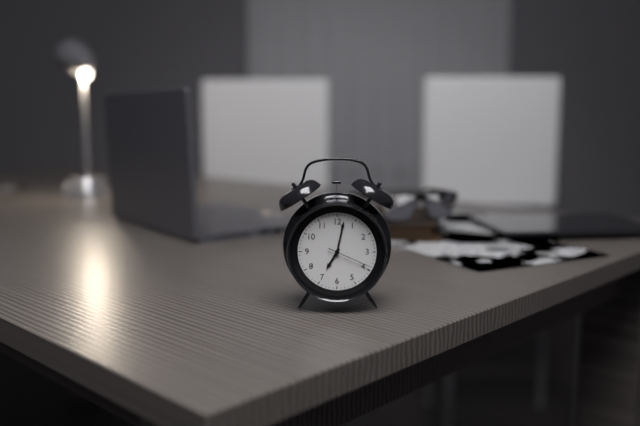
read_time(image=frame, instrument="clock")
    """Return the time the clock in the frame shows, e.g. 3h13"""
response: 7h02
